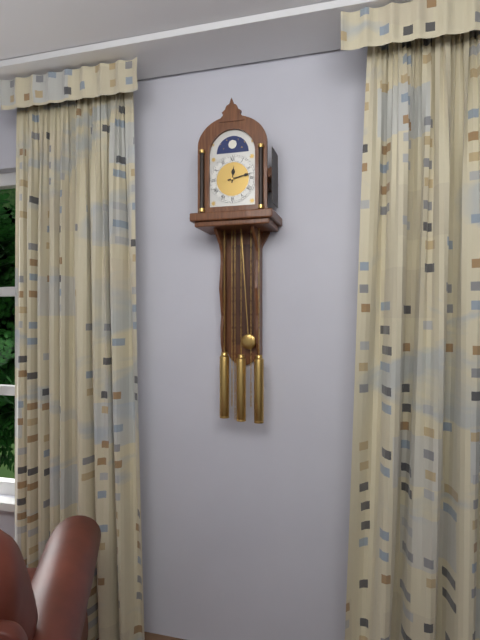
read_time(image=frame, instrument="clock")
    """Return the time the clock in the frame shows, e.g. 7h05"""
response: 12h13
